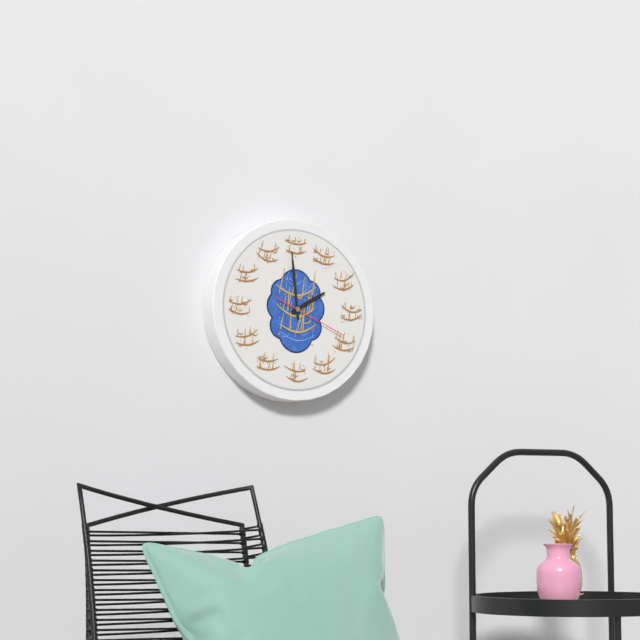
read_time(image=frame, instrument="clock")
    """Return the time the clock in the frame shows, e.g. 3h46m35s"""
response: 1h59m19s
